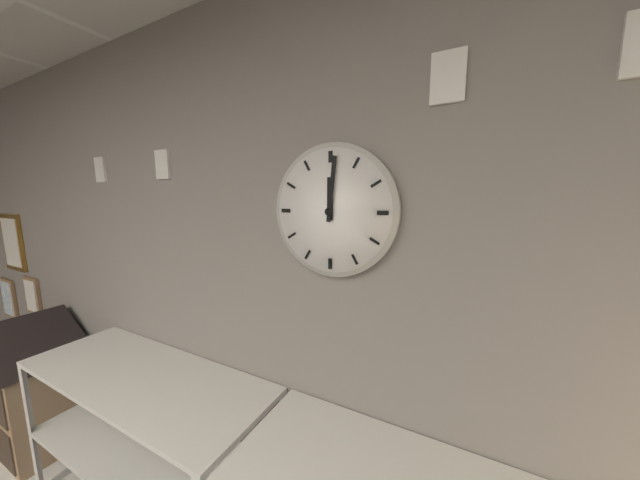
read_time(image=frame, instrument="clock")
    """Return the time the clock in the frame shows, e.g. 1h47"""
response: 12h01
